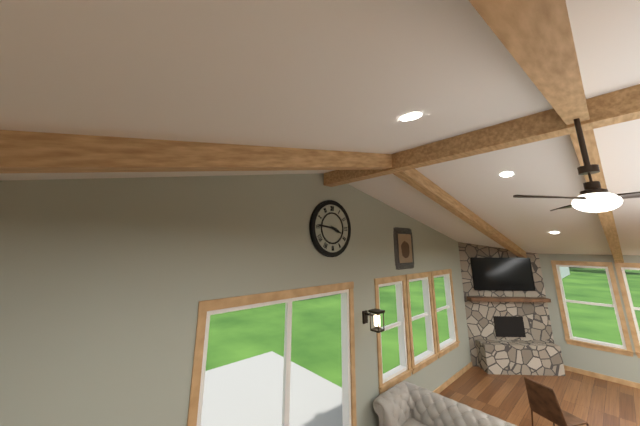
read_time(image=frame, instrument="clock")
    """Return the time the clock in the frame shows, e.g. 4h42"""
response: 3h46
